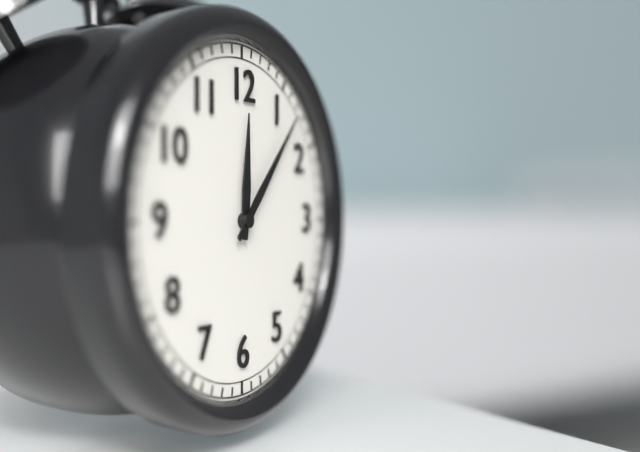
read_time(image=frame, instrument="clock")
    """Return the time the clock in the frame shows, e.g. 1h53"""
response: 12h07
